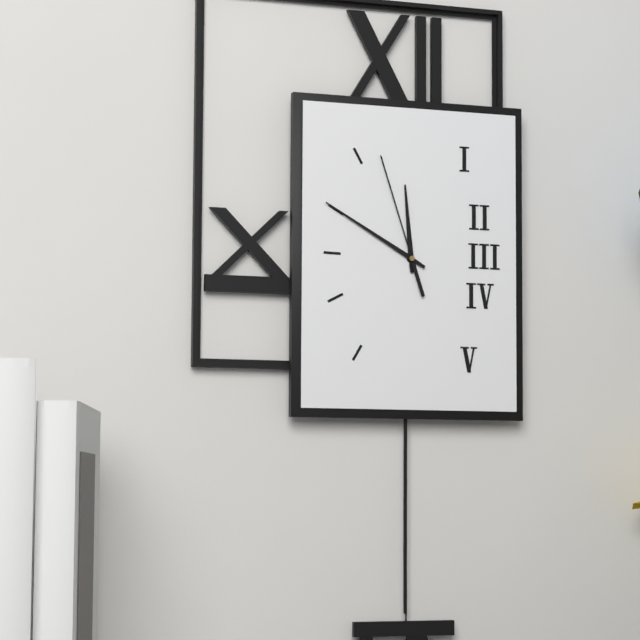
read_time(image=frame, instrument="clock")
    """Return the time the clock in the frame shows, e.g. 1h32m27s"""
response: 11h50m57s
